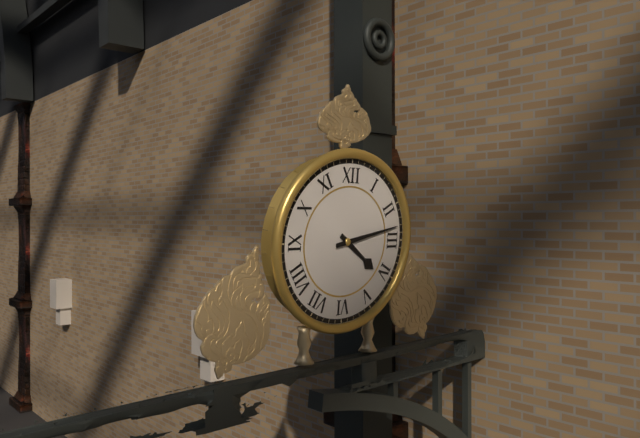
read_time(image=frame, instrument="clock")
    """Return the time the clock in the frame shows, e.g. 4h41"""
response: 4h13
